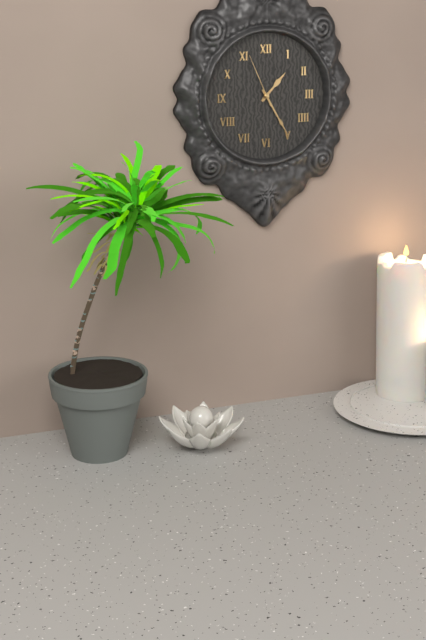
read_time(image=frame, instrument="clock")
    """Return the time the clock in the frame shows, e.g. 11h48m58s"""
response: 1h25m56s
